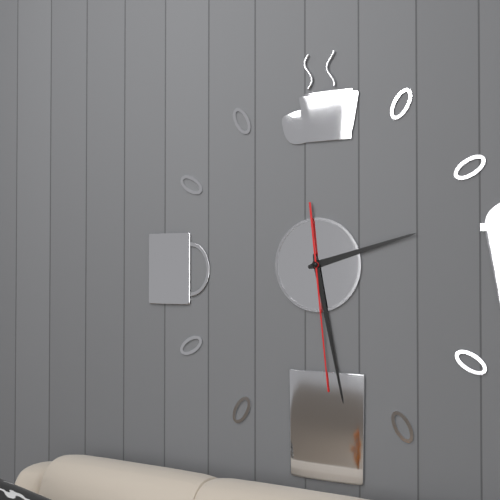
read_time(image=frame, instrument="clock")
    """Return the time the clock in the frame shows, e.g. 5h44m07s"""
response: 2h28m29s
